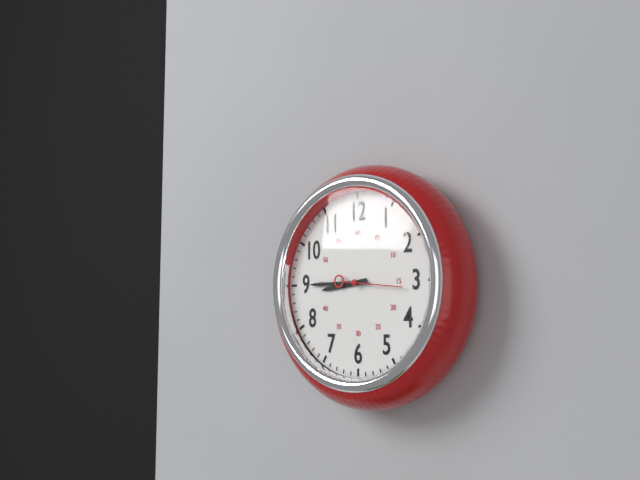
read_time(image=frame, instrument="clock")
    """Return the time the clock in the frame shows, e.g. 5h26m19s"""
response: 8h45m16s
